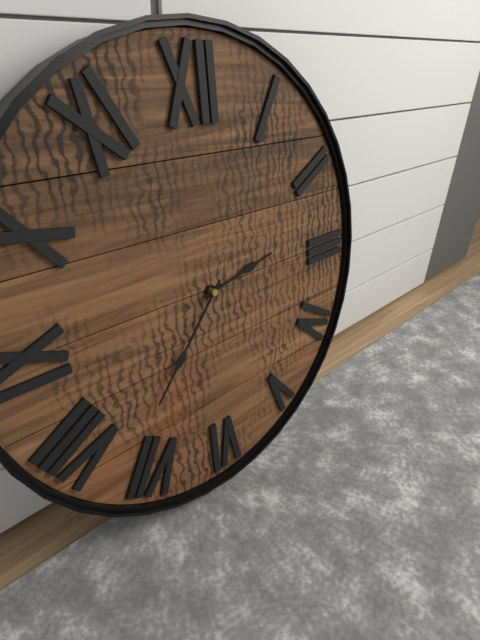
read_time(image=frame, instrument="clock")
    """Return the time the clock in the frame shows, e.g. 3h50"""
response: 2h37
